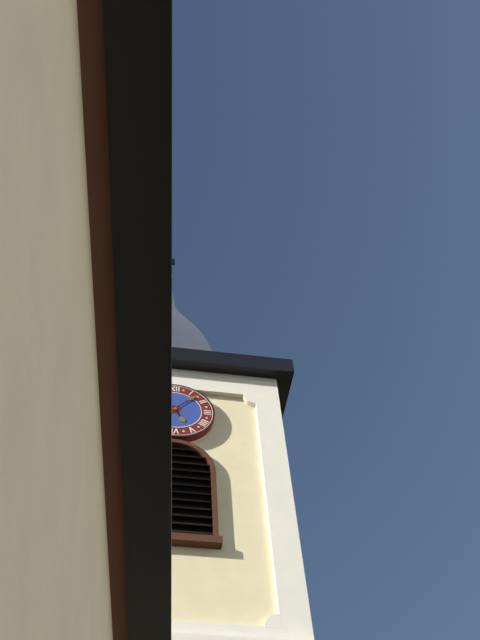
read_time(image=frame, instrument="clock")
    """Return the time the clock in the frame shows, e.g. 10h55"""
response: 5h07
